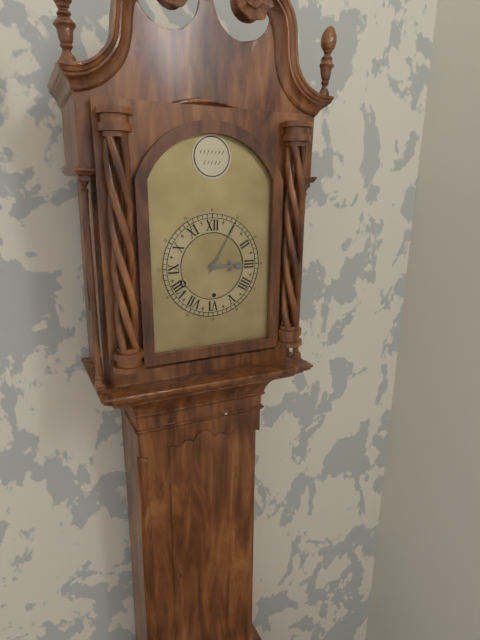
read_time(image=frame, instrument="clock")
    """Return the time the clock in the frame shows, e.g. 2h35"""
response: 3h05
